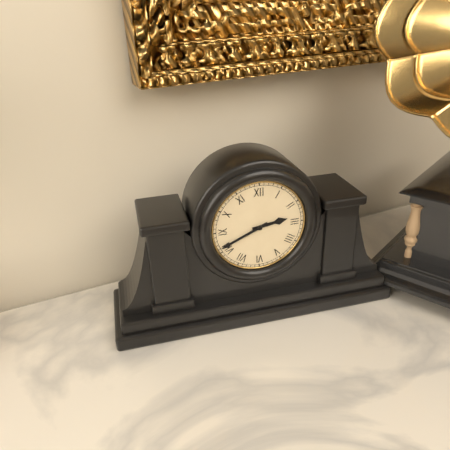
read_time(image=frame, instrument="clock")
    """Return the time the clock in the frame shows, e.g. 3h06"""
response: 2h41
